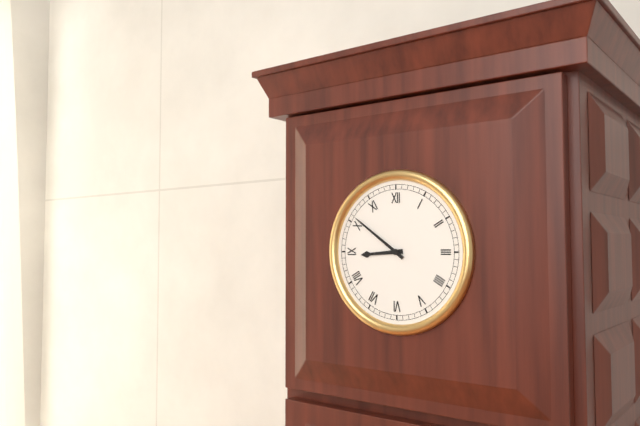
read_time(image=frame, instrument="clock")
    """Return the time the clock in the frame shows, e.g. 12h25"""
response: 8h51
